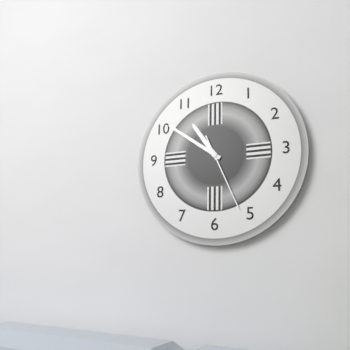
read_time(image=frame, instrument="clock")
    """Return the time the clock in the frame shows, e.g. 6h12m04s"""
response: 10h51m26s
